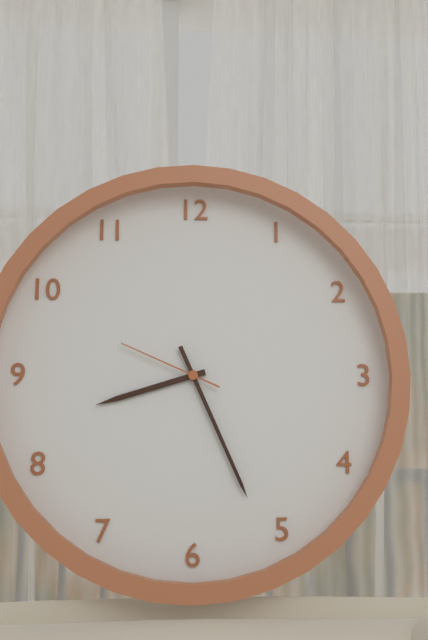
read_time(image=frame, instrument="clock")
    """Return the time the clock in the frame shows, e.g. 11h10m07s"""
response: 8h26m49s
